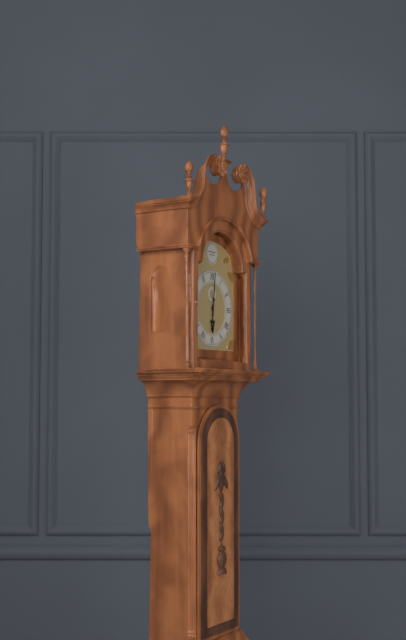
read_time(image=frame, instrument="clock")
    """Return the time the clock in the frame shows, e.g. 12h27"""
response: 6h01
